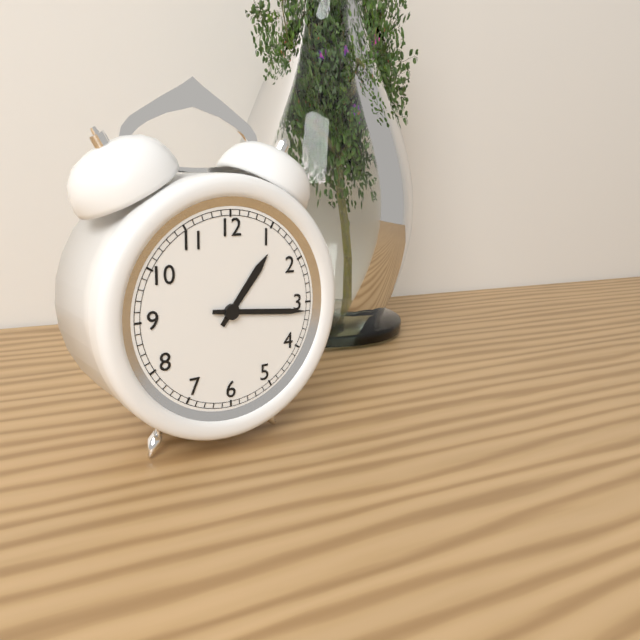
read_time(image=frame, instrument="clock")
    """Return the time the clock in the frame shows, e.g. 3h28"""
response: 1h16
